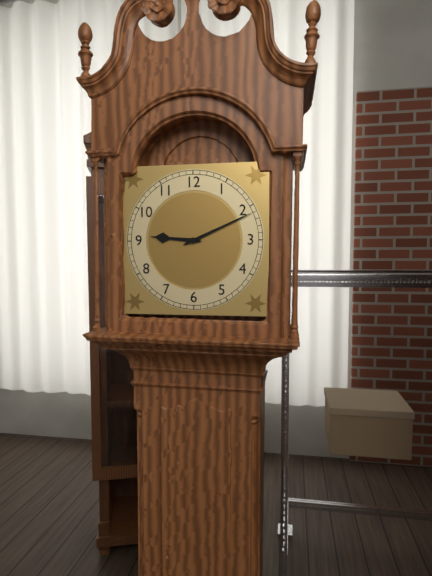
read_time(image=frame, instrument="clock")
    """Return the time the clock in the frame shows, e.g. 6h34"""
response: 9h11
